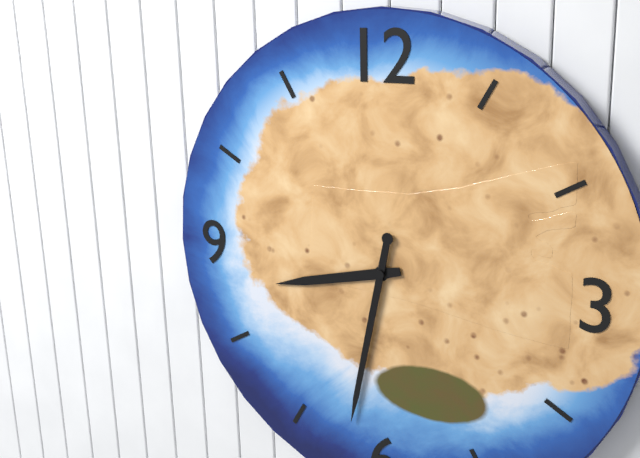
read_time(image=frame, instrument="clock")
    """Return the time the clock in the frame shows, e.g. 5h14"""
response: 8h32
